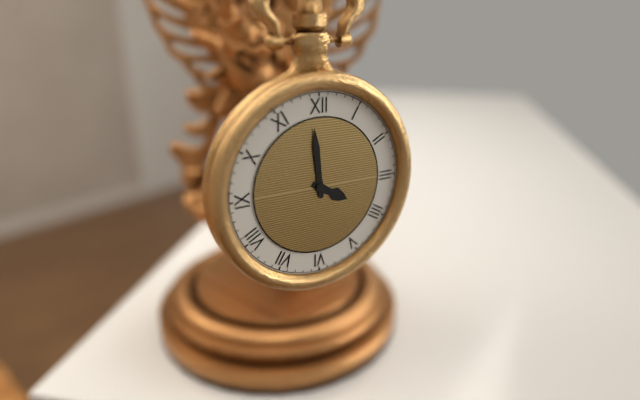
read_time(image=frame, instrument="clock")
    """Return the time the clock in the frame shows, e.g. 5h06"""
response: 3h59
